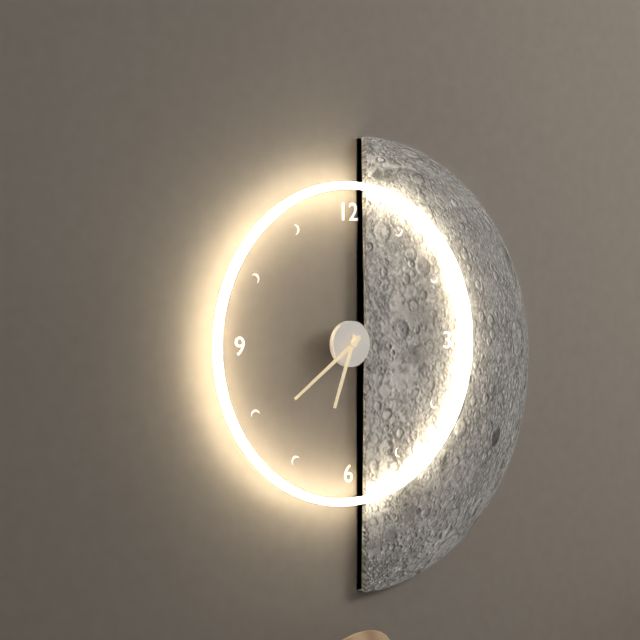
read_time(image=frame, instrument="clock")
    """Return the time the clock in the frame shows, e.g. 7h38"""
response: 6h39
